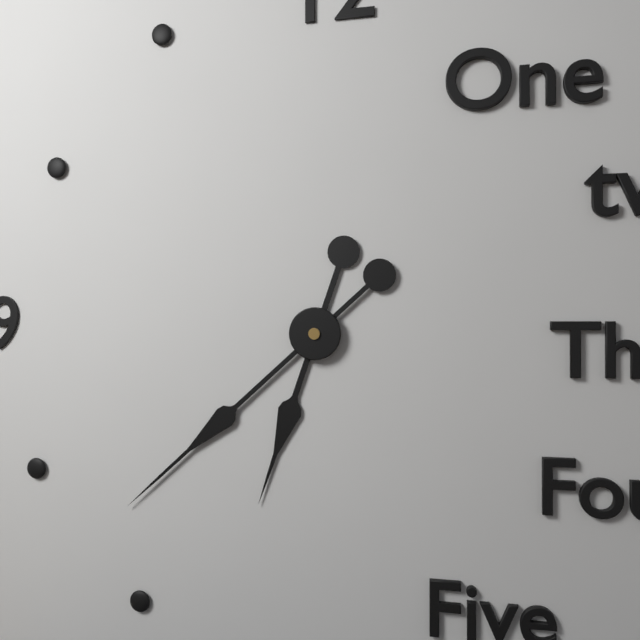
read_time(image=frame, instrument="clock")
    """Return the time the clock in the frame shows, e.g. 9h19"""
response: 6h38
